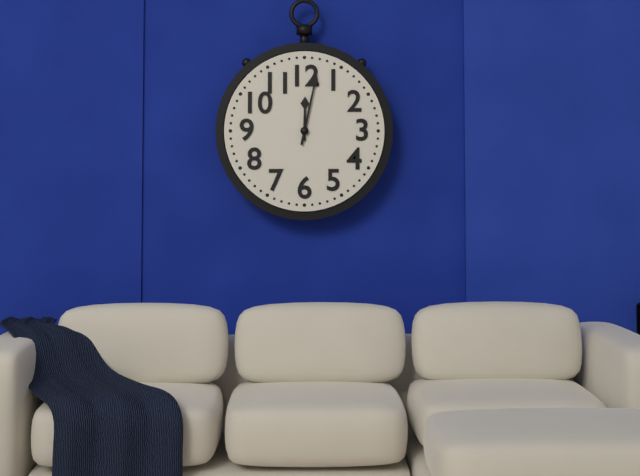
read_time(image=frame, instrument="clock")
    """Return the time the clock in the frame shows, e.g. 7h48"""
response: 12h02
